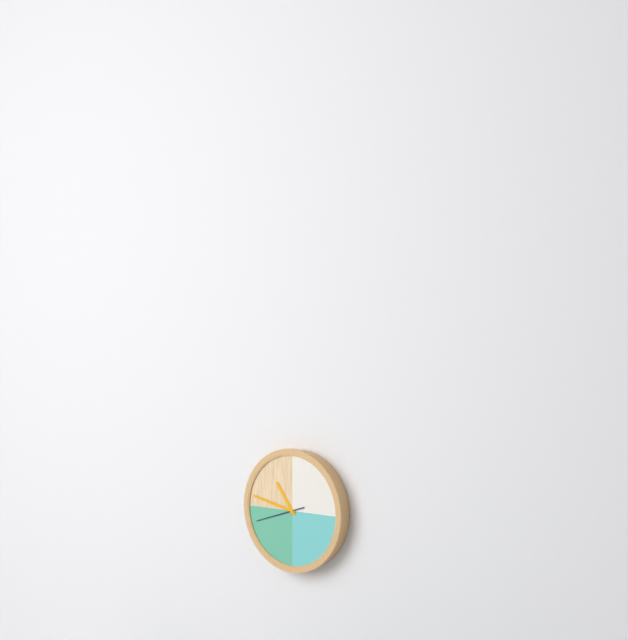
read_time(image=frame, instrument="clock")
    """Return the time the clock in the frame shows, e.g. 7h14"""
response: 10h47
